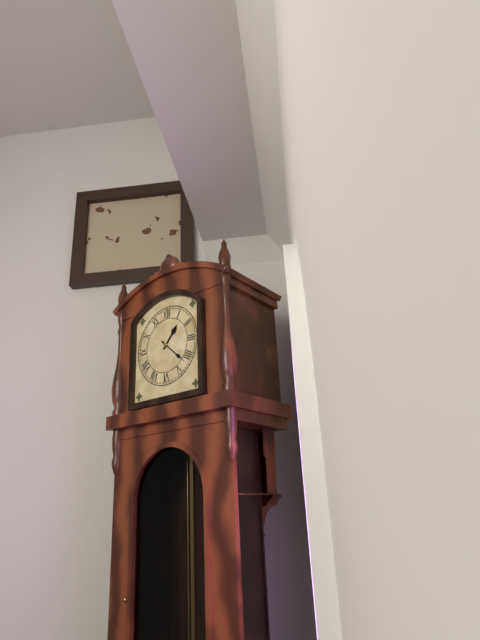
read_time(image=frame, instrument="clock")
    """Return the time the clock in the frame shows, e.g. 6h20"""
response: 1h22
